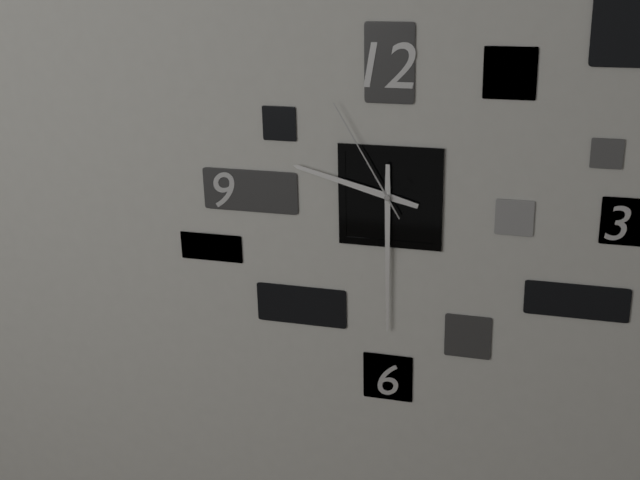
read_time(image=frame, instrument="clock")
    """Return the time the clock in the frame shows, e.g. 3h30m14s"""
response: 9h30m55s
